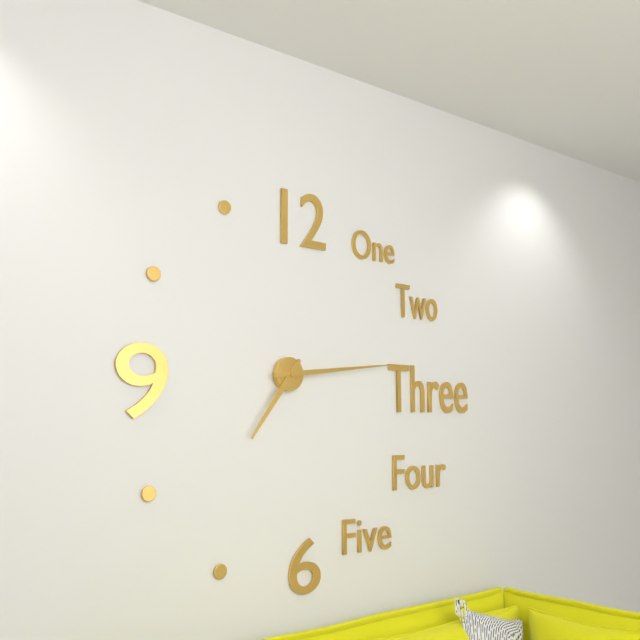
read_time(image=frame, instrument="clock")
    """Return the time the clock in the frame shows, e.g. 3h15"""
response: 7h14
